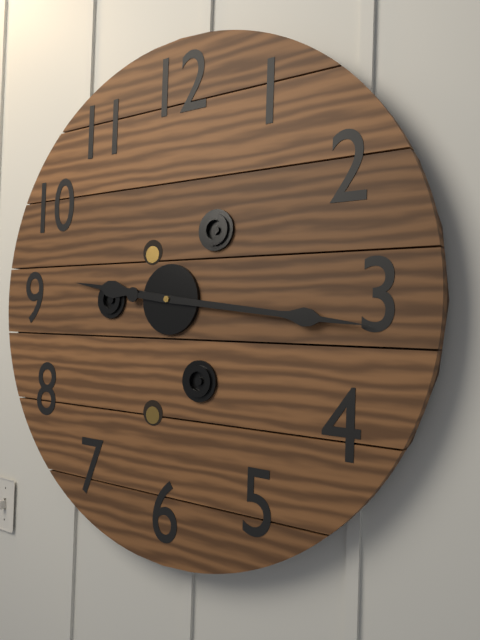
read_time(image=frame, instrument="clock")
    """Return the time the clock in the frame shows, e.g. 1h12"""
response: 9h16
